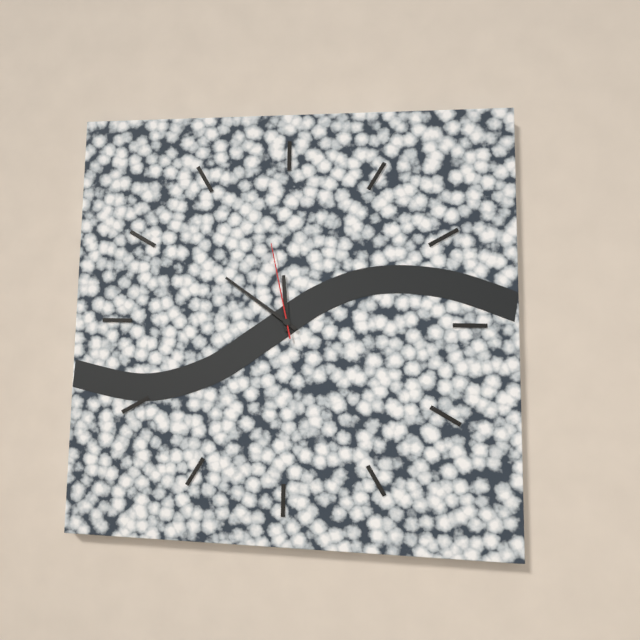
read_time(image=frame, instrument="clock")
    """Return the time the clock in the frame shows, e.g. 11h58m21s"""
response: 11h51m58s
